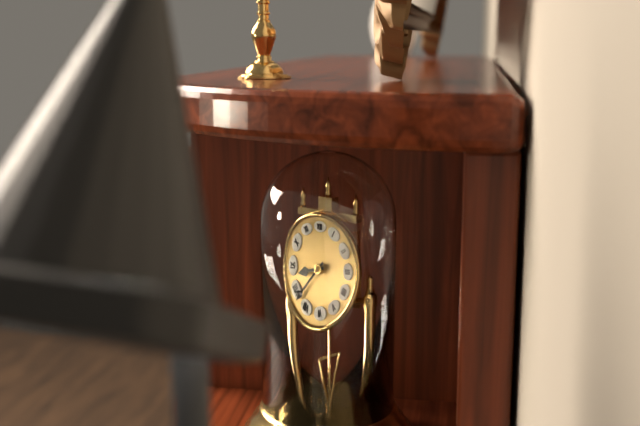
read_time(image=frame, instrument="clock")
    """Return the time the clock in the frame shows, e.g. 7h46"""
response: 8h38
